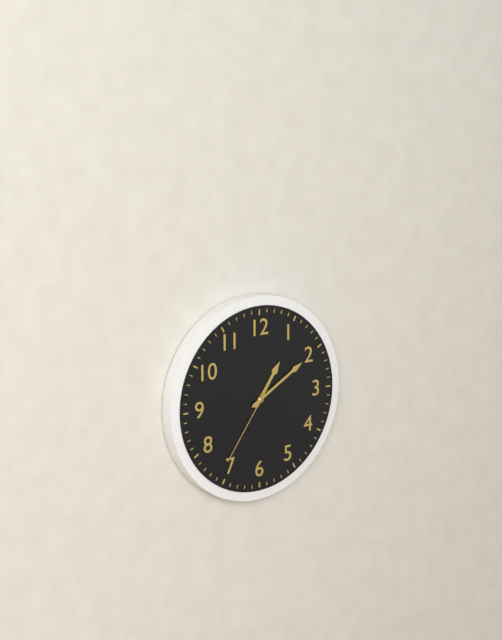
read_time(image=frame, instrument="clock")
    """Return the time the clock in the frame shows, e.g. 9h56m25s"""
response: 1h10m36s
